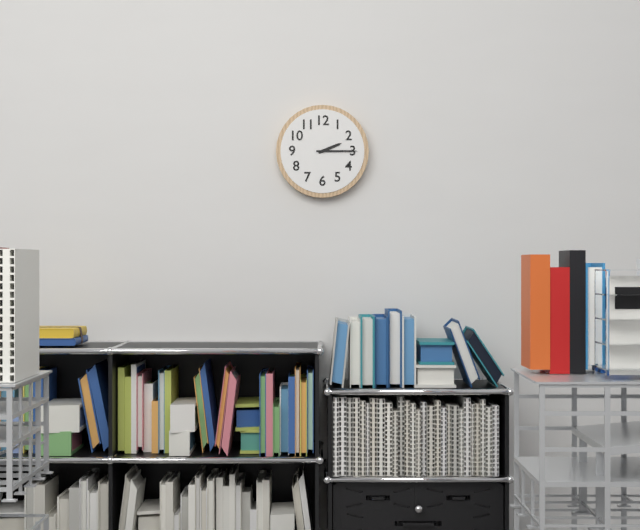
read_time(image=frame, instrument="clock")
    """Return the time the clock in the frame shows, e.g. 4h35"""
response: 2h15
